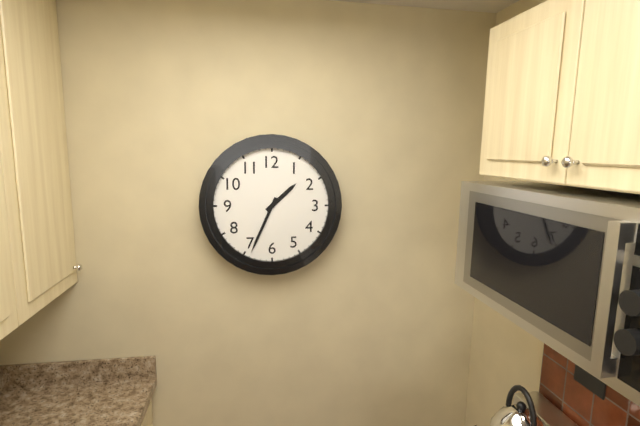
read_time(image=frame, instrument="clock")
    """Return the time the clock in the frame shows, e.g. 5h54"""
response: 1h34
